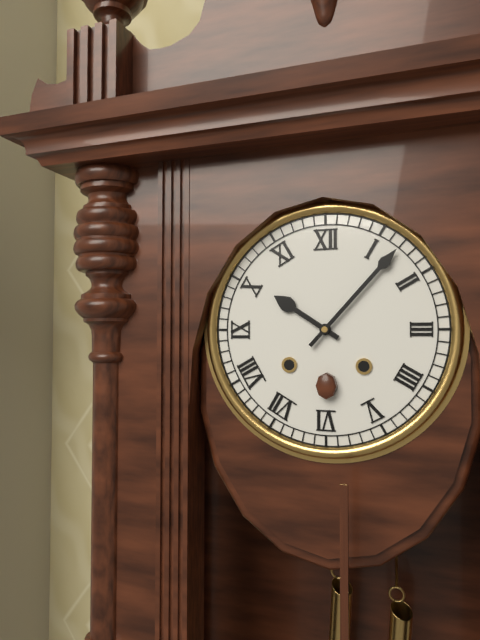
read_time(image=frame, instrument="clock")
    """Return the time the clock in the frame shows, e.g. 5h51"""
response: 10h07
